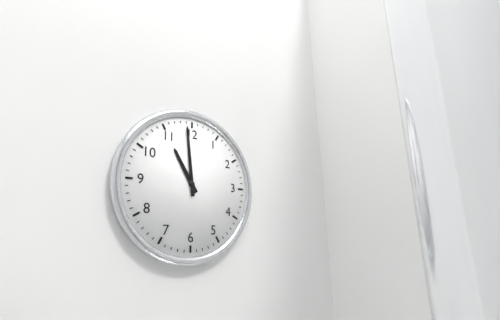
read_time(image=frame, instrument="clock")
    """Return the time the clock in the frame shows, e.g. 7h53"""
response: 10h59
